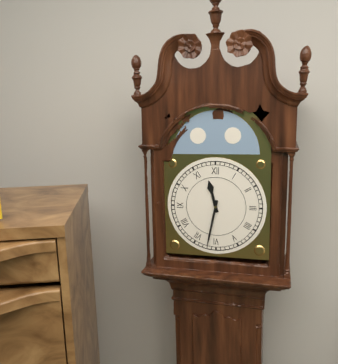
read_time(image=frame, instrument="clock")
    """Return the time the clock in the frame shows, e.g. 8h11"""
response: 11h32
